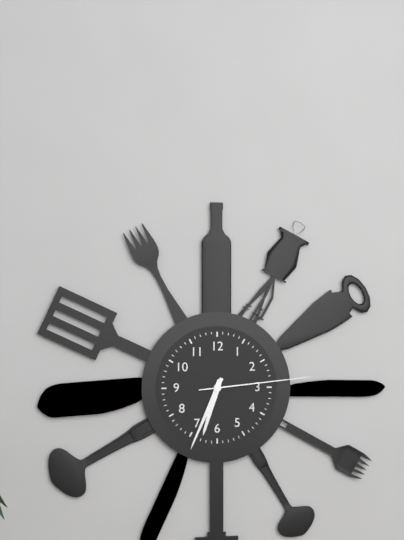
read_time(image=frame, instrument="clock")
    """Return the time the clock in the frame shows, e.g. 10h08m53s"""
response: 6h34m14s
